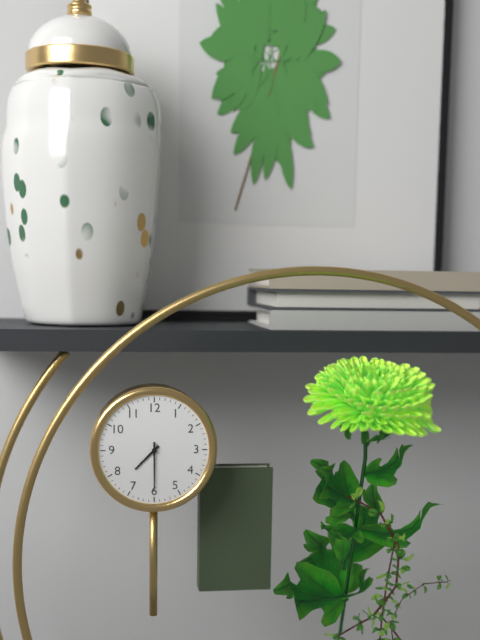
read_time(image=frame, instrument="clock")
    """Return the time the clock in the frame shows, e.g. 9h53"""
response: 7h30
